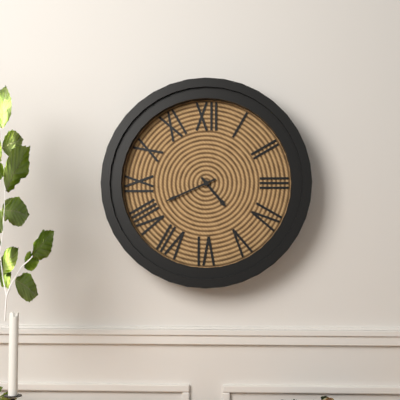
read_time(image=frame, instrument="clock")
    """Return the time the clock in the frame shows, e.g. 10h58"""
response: 4h41
